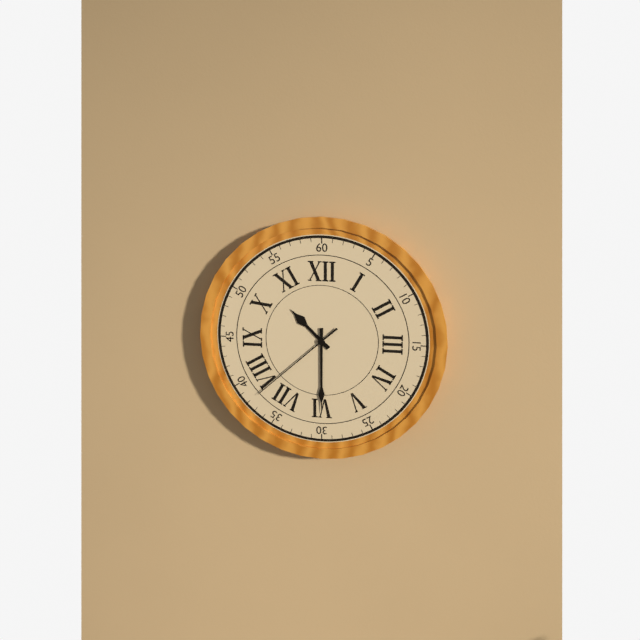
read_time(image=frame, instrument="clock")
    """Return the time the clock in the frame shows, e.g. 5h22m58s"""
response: 10h30m38s
